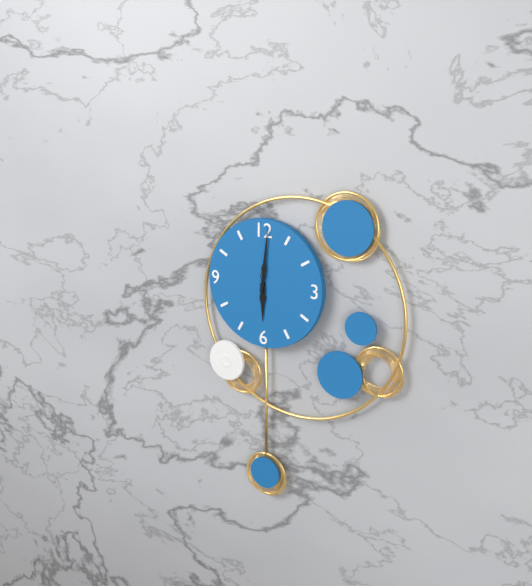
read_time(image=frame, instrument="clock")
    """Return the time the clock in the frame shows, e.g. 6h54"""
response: 6h01
